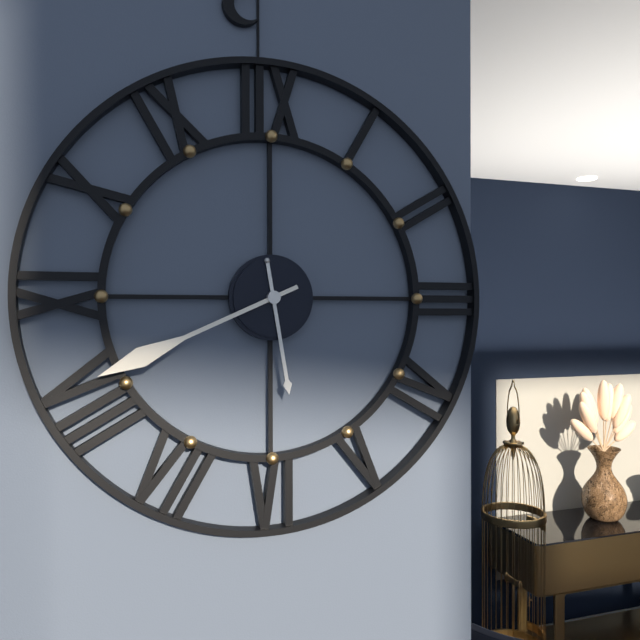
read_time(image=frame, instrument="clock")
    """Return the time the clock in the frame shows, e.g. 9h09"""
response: 5h41
